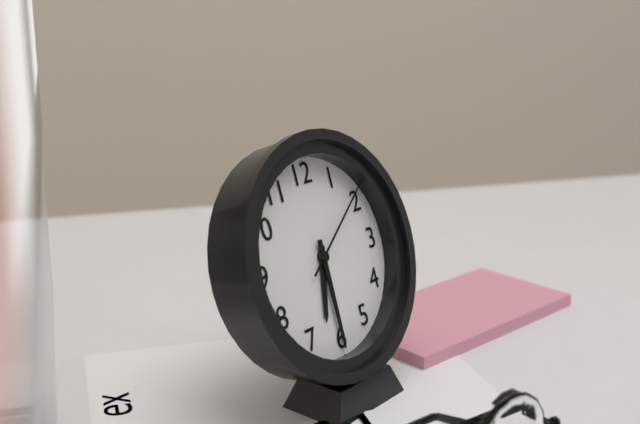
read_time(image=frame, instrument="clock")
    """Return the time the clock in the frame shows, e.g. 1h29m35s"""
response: 6h30m09s
